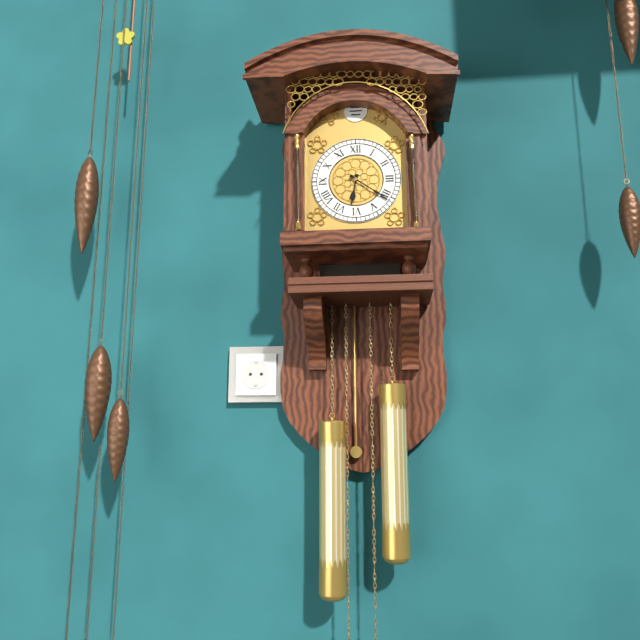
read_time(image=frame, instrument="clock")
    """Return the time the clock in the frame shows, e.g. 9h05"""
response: 6h21
